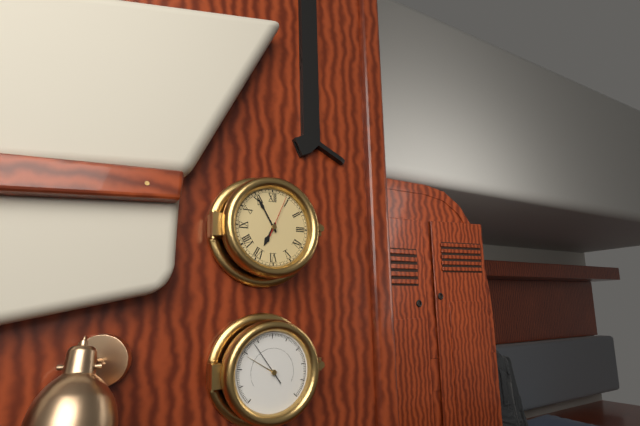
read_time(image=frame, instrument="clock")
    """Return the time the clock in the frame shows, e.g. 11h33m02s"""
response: 6h55m04s
